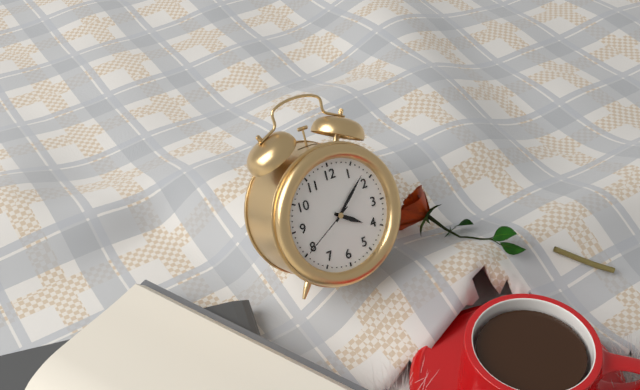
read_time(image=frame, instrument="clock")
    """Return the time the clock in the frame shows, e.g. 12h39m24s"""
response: 4h08m40s
